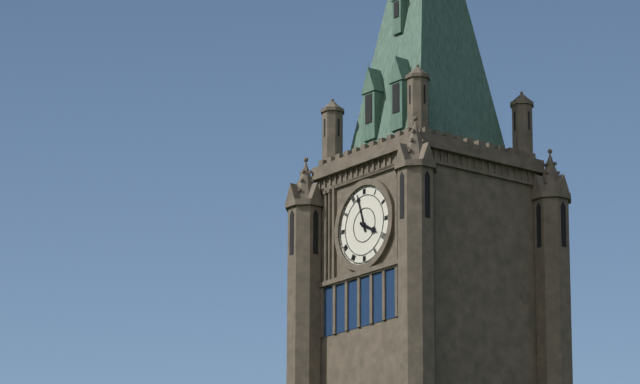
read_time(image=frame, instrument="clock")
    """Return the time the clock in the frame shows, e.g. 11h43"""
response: 3h57
